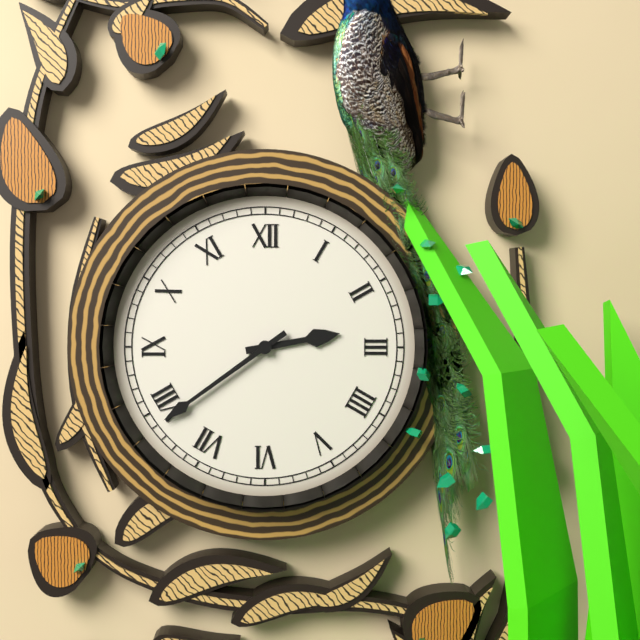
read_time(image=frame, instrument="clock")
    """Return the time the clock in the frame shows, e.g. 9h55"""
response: 2h39
